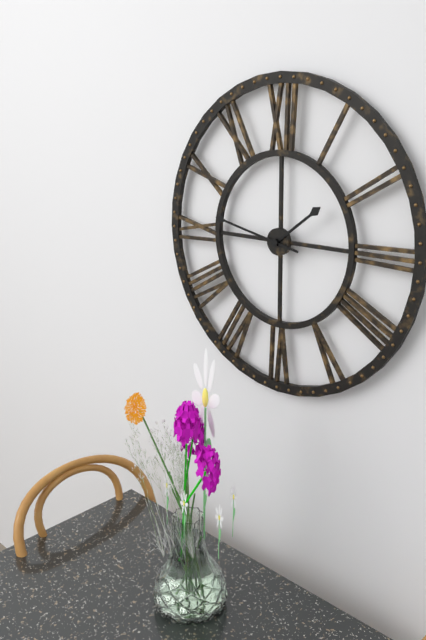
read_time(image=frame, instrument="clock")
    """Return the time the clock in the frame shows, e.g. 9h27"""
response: 1h47
